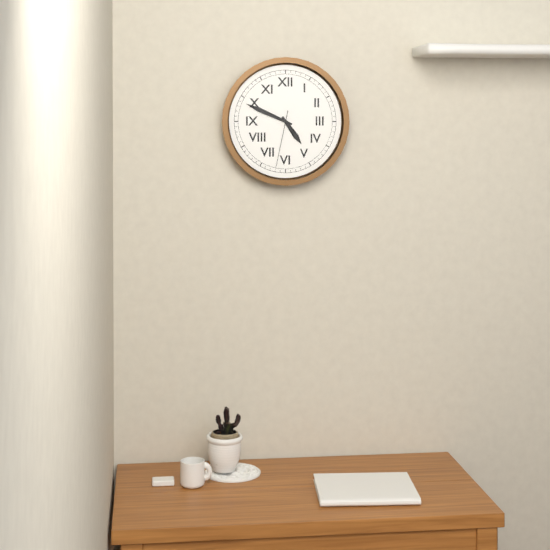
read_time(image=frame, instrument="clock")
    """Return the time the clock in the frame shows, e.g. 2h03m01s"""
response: 4h49m32s
